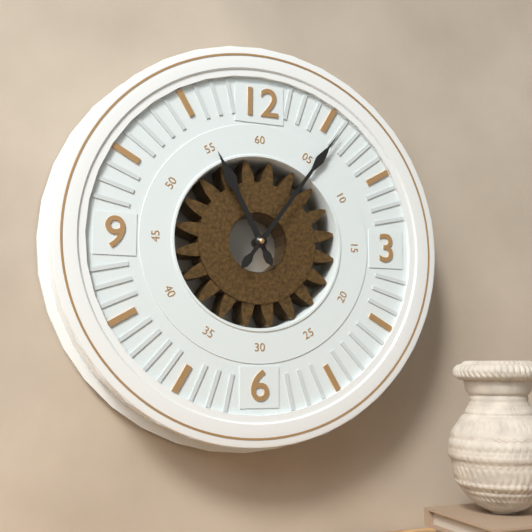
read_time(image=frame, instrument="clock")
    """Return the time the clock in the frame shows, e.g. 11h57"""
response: 11h06
